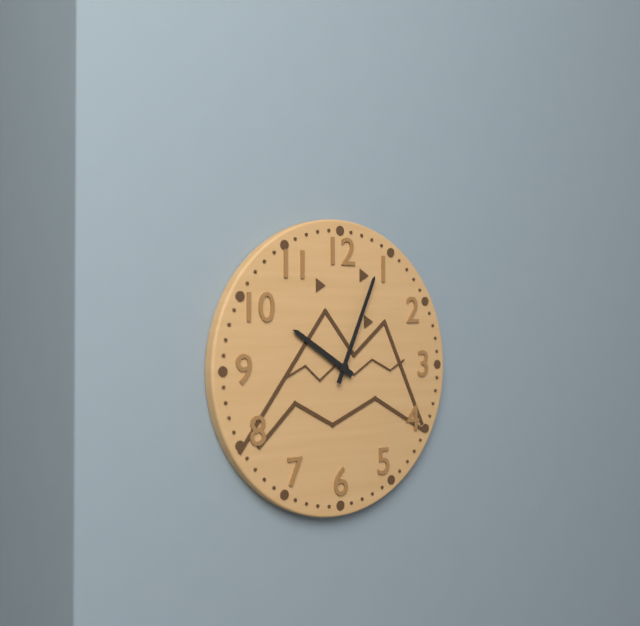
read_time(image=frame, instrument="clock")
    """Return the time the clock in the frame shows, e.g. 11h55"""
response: 10h04
